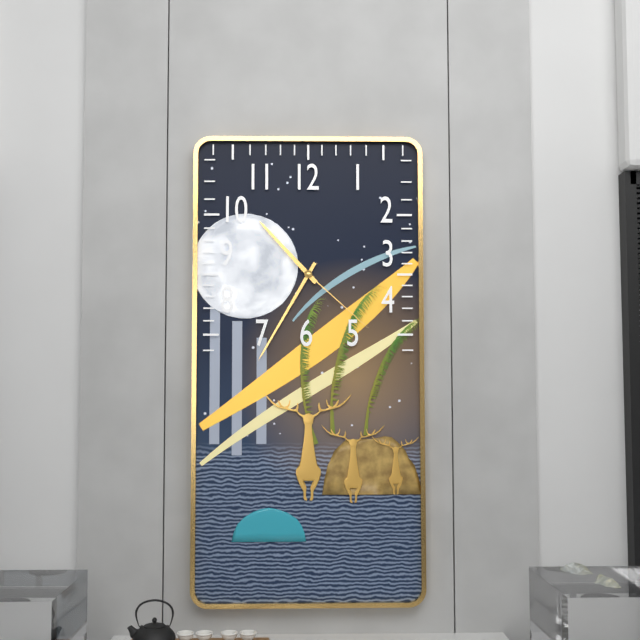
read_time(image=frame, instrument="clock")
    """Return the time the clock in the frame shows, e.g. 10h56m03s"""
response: 10h35m22s
